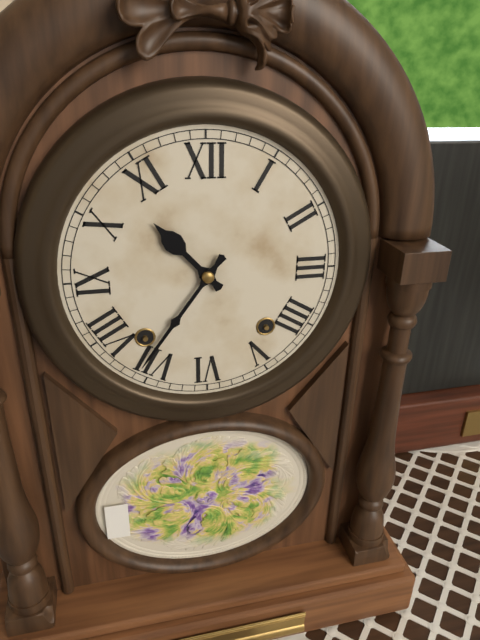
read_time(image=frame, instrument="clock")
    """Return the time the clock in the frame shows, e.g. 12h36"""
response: 10h36
